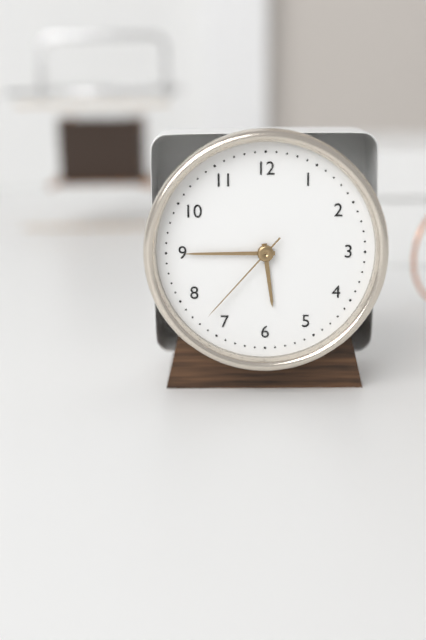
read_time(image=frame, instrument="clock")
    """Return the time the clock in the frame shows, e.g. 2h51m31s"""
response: 5h45m37s
